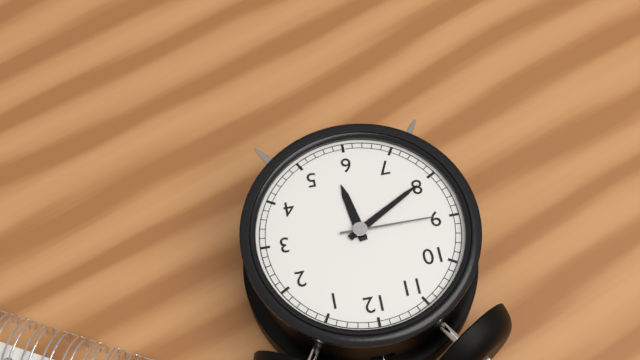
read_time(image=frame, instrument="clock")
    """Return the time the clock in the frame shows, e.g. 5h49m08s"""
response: 5h40m45s
